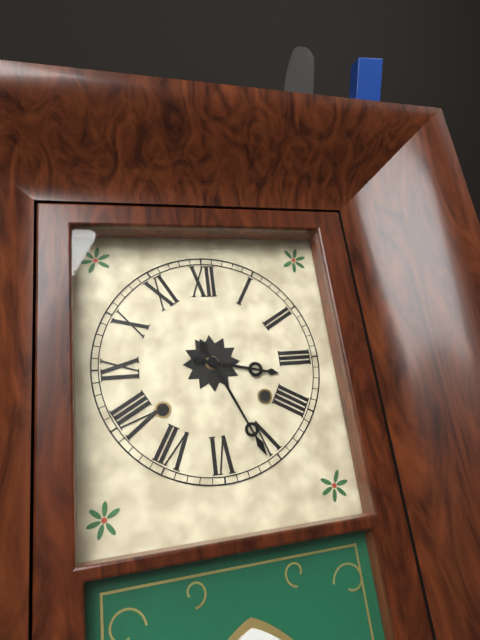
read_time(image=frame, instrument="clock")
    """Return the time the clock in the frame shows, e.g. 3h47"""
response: 3h26
